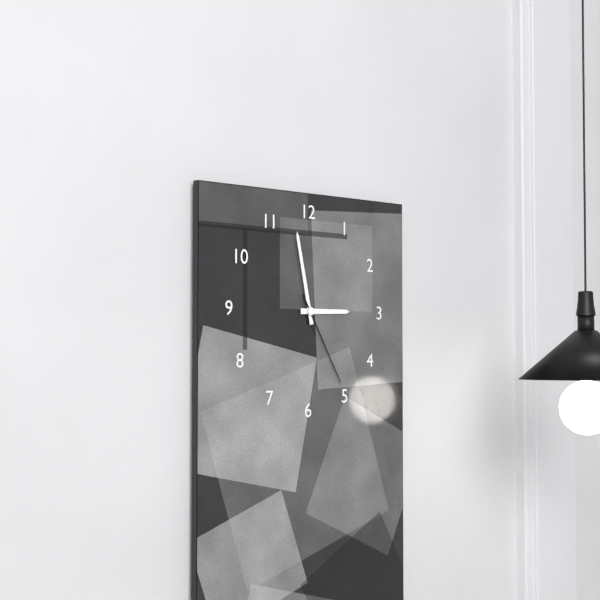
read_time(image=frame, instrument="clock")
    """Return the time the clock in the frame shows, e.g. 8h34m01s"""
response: 2h58m25s
